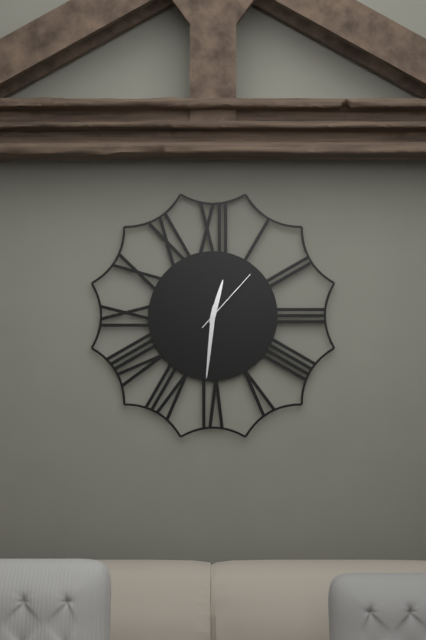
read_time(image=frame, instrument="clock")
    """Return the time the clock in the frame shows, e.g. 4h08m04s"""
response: 12h31m07s
